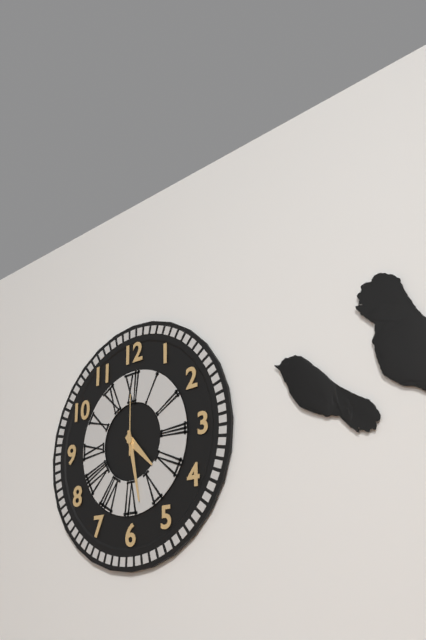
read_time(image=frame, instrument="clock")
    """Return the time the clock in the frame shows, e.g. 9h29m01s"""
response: 4h28m00s
